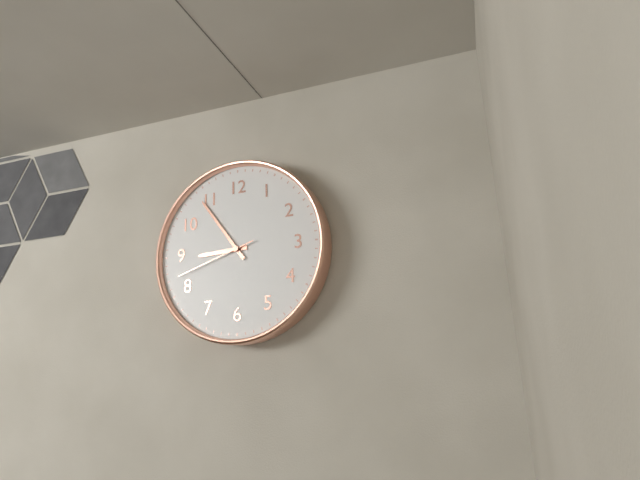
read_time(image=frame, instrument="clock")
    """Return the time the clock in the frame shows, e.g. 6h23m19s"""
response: 8h54m42s
